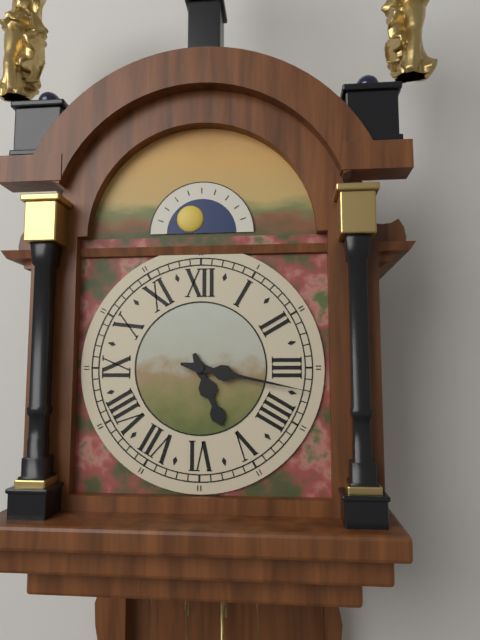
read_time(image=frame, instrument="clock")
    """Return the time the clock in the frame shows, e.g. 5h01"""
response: 5h17
